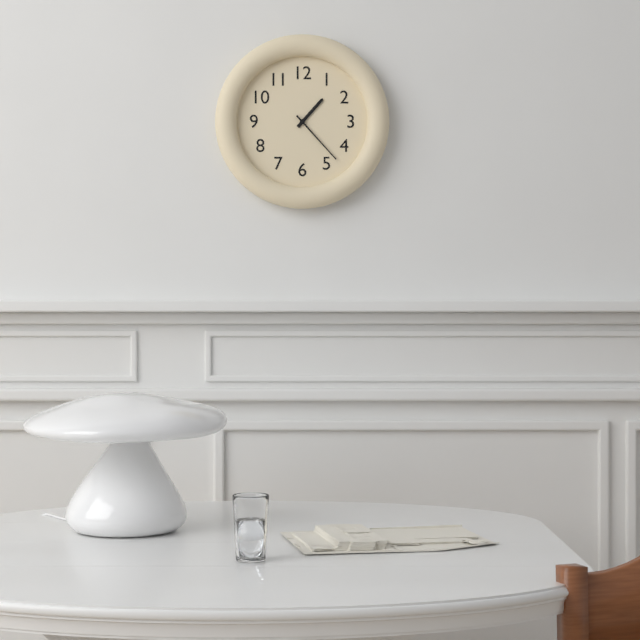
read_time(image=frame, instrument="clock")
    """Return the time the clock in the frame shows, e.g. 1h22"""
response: 1h23
